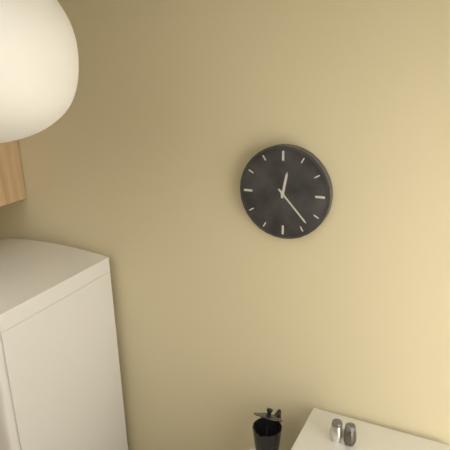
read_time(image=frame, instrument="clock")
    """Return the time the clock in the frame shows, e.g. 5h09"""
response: 12h23
